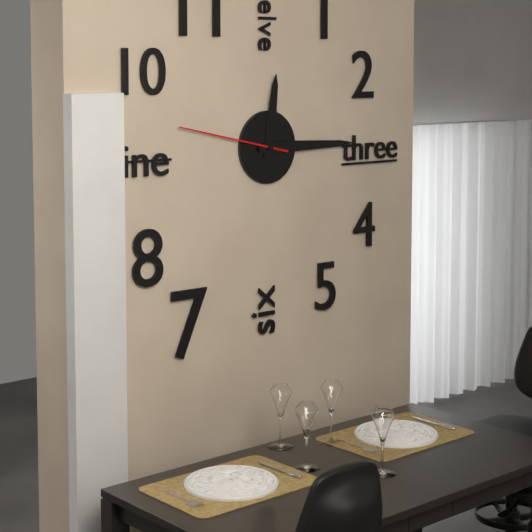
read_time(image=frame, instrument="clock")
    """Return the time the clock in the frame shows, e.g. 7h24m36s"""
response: 12h15m47s
